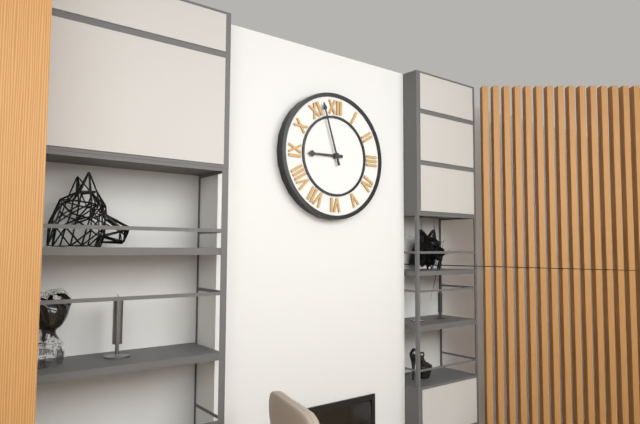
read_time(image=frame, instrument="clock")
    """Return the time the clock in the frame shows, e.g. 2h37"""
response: 8h57
